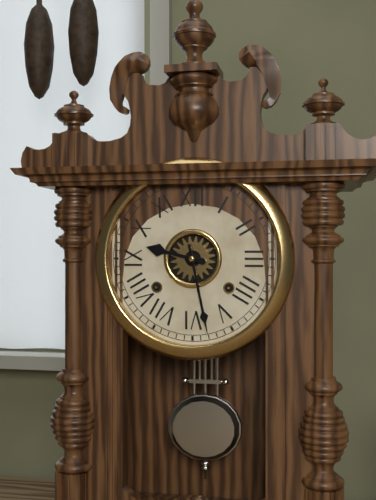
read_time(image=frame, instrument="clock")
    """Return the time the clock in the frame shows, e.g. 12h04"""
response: 9h28
